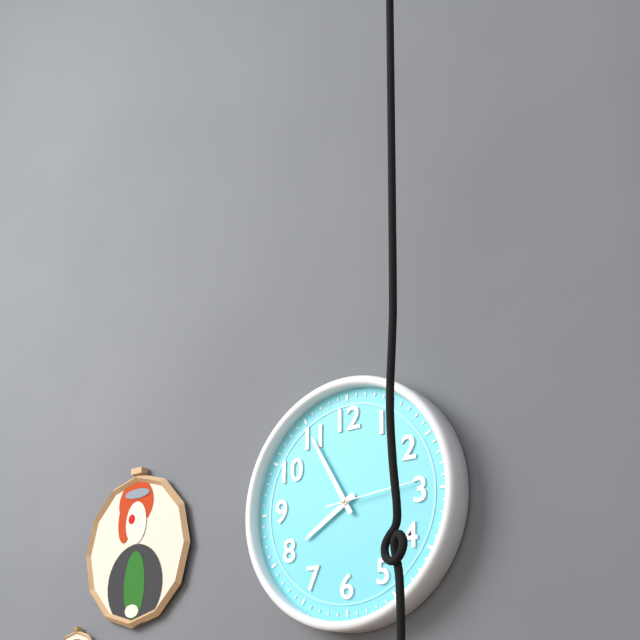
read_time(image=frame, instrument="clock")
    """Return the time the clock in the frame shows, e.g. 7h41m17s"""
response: 7h55m14s
